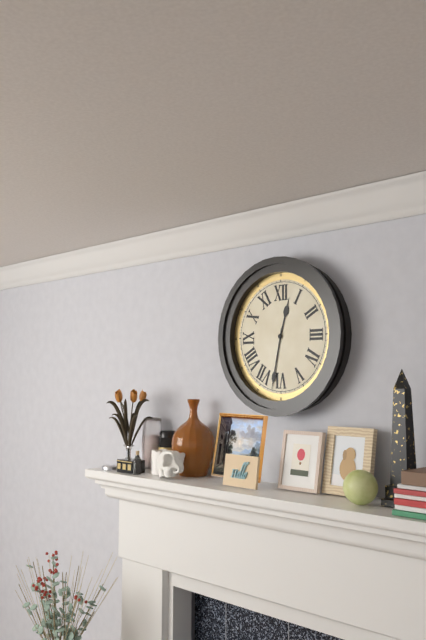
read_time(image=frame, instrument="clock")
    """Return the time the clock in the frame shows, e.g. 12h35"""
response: 12h32
